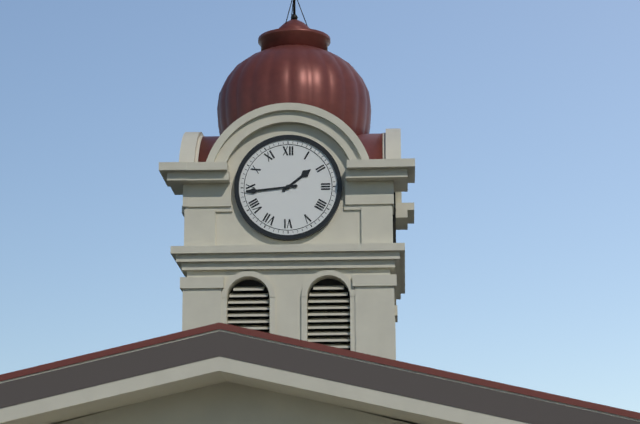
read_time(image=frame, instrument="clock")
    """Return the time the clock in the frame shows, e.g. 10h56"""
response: 1h44
